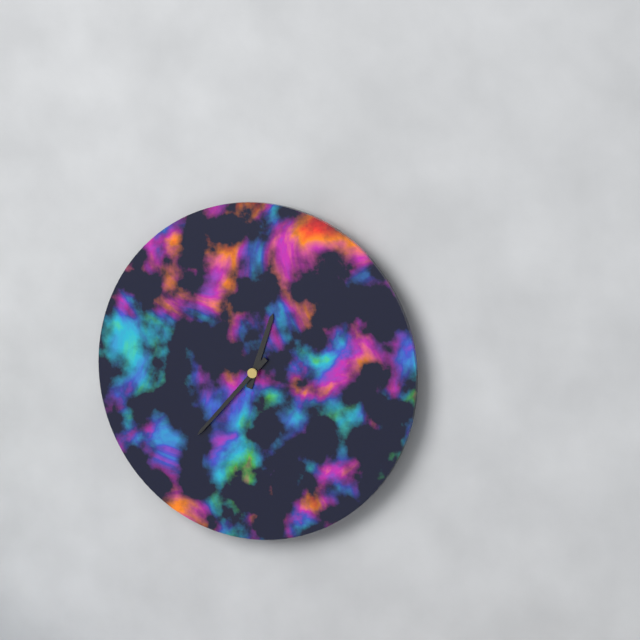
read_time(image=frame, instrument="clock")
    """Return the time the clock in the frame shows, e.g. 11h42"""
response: 12h37
